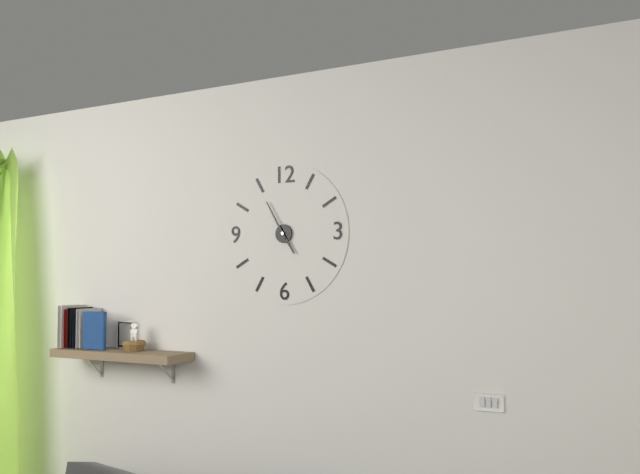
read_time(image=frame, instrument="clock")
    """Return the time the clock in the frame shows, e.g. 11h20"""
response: 4h55
